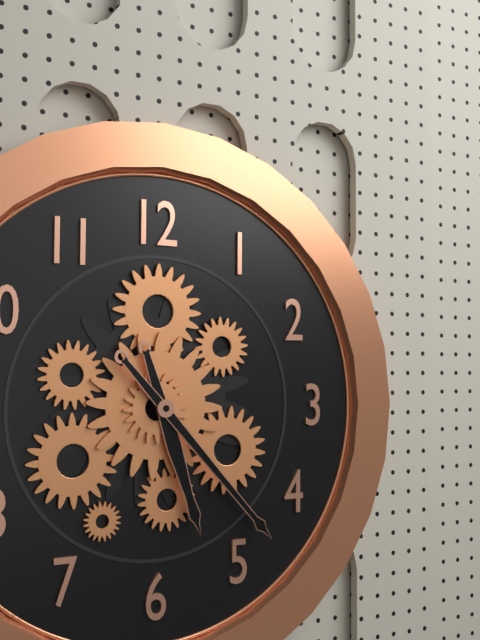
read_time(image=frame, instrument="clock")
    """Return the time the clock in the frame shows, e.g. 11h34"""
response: 5h23
